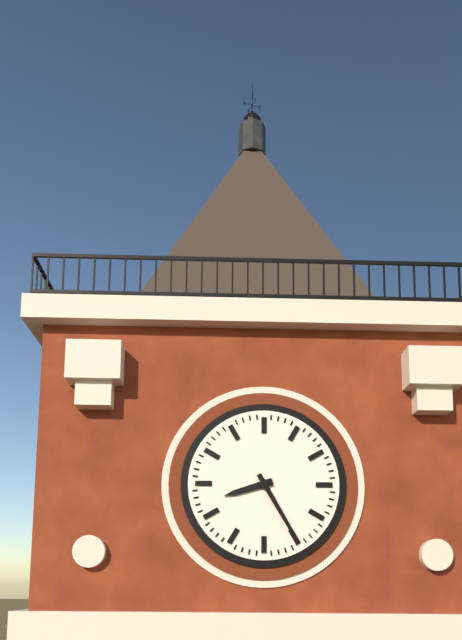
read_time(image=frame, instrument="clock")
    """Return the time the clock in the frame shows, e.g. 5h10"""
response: 8h25
